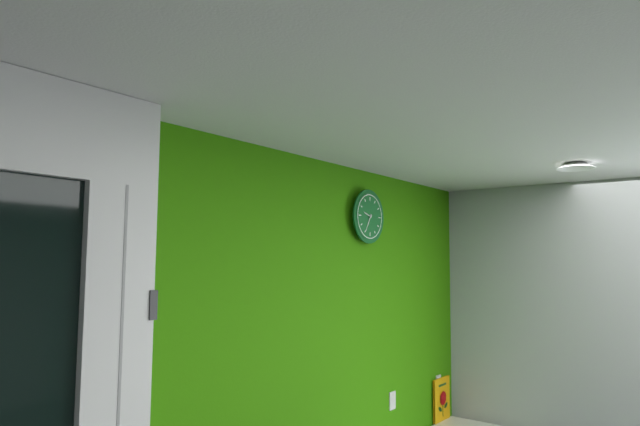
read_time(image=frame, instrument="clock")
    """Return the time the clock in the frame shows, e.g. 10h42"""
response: 9h35
